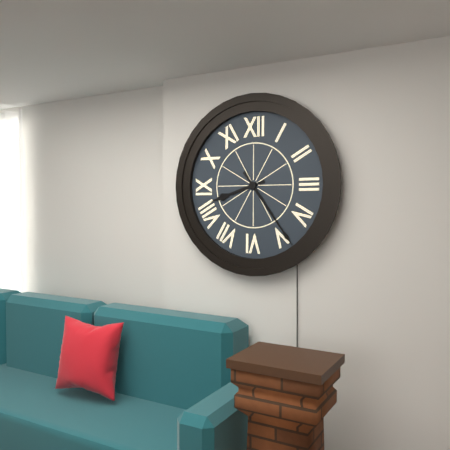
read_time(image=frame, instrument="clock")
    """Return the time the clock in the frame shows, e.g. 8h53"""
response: 8h24
